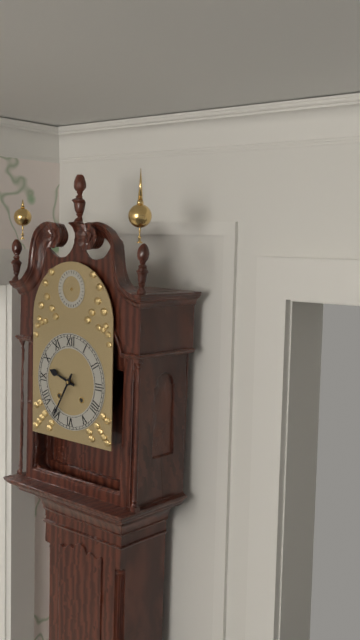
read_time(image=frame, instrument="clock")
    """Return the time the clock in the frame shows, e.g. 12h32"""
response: 9h35
